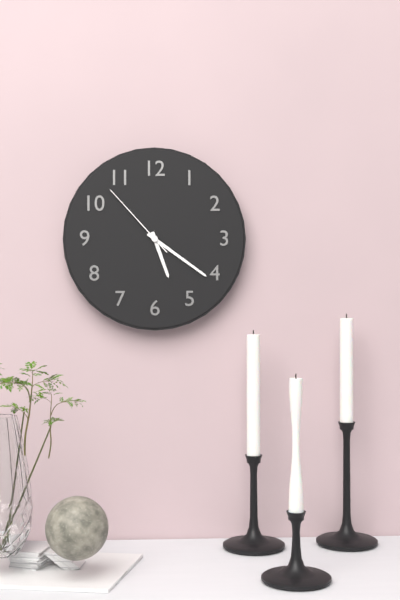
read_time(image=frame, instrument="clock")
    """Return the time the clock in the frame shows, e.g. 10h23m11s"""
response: 5h21m53s
